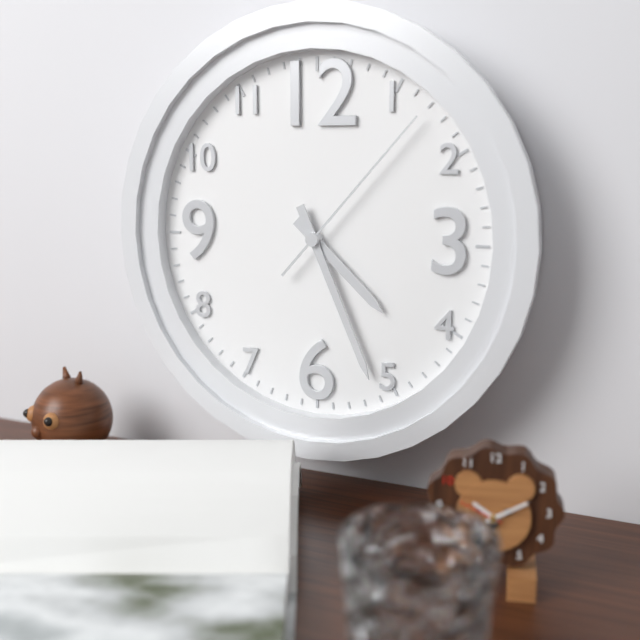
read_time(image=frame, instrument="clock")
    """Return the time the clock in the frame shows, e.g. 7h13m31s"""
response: 4h26m07s
